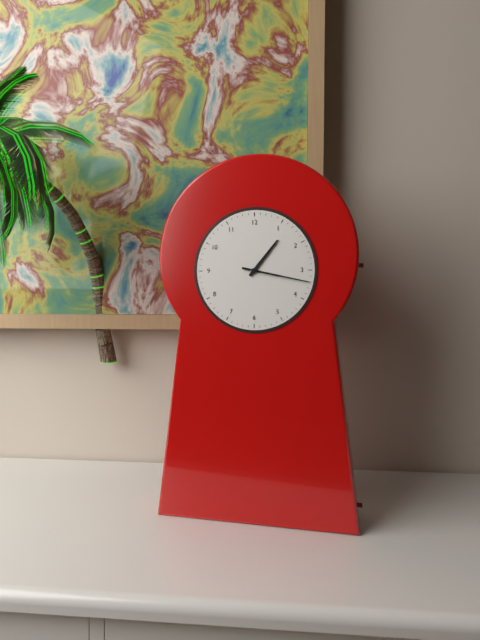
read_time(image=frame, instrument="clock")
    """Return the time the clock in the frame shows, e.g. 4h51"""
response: 1h17
